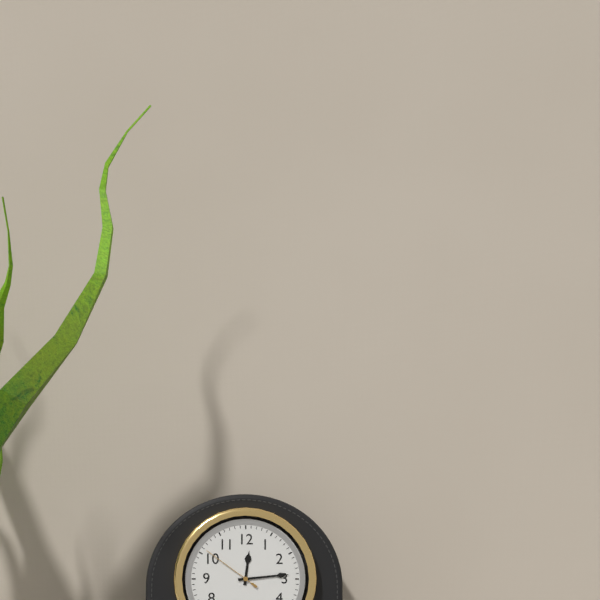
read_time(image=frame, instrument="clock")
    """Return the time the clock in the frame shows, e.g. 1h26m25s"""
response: 12h14m51s
